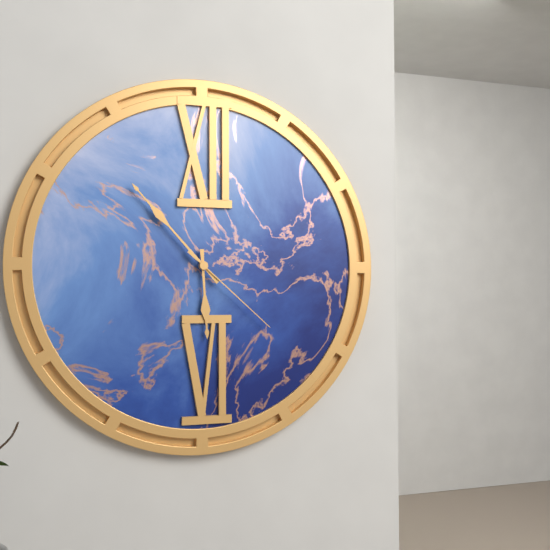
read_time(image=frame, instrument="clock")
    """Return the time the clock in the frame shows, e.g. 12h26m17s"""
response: 5h53m22s
